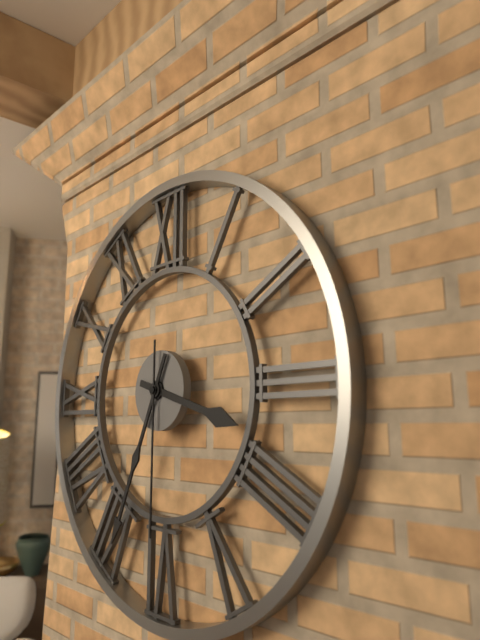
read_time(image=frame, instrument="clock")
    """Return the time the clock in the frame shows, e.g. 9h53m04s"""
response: 3h34m30s
